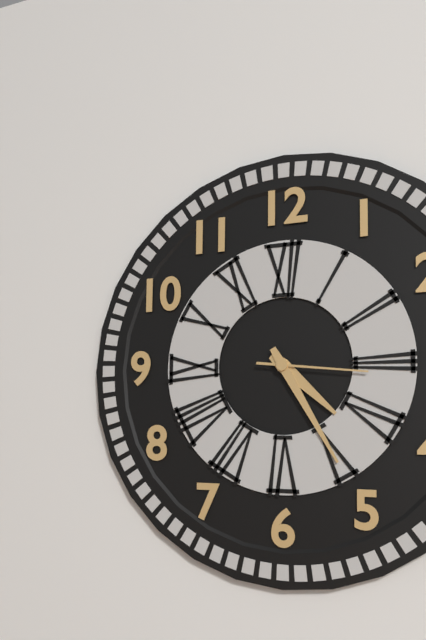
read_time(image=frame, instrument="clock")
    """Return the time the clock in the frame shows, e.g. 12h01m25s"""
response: 4h25m16s
